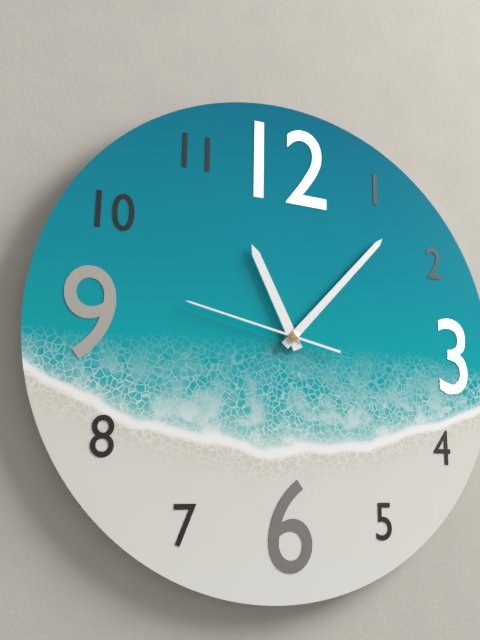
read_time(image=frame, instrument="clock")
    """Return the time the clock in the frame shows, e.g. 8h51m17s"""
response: 11h07m47s
